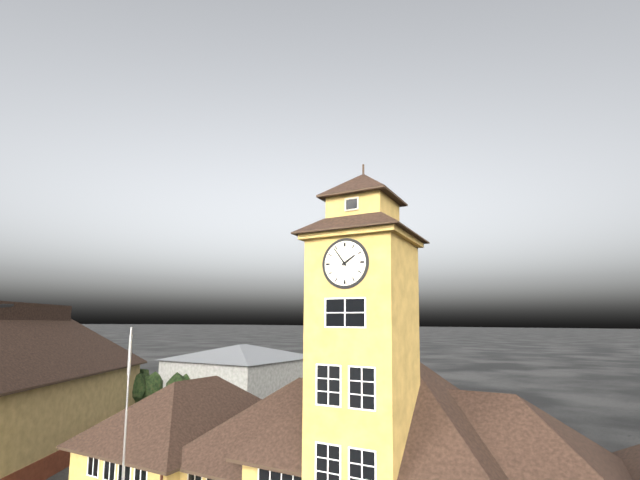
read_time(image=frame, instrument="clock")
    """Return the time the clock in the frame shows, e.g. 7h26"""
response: 1h54
